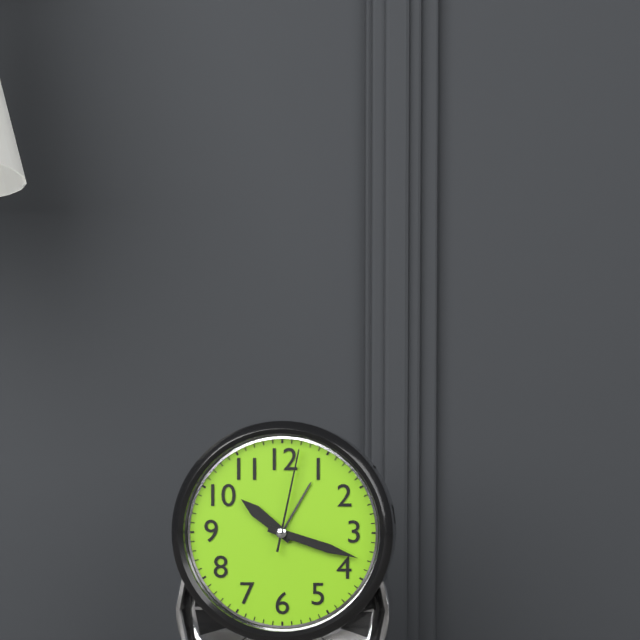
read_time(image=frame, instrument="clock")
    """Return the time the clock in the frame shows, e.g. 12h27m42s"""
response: 10h18m02s
